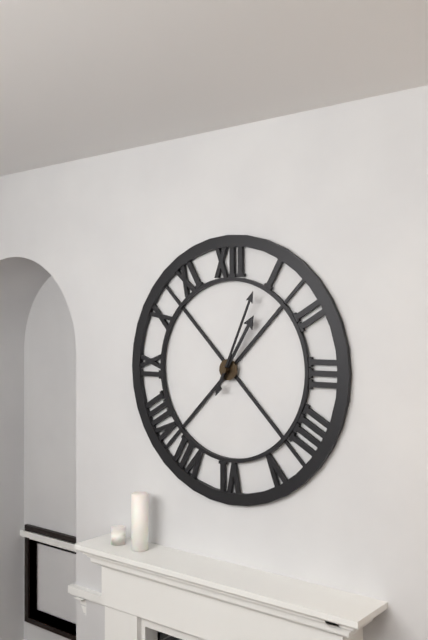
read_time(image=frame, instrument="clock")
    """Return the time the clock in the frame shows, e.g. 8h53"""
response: 1h04
